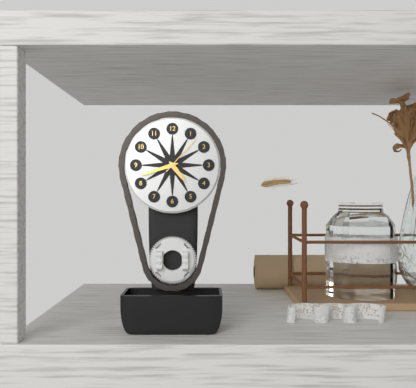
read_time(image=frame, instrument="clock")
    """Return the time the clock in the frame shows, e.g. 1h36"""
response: 4h42
